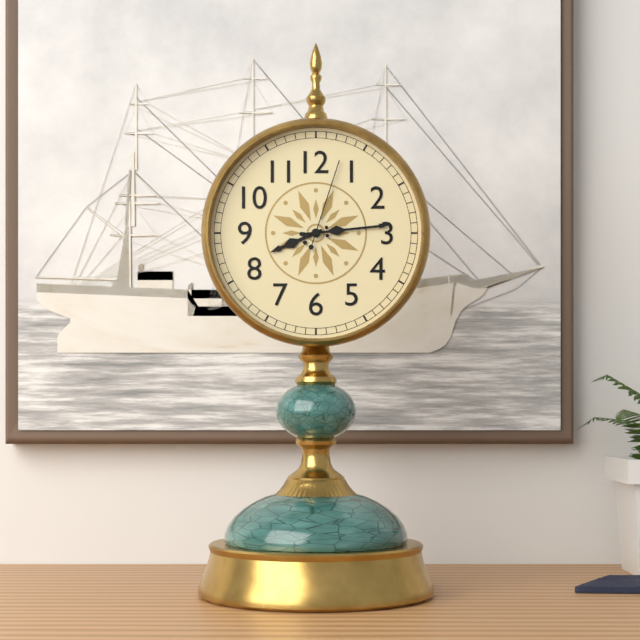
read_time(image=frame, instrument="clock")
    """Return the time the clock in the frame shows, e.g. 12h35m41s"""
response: 8h14m03s
